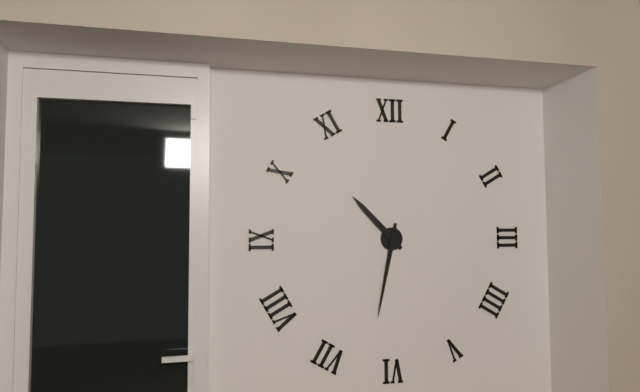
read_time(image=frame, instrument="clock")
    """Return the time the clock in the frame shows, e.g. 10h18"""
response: 10h32
